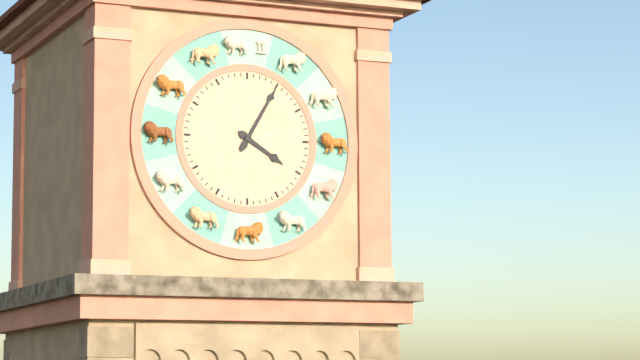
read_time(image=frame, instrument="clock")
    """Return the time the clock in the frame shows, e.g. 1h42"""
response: 4h05
